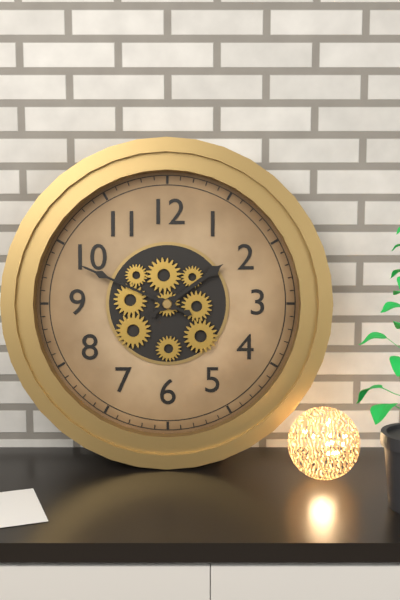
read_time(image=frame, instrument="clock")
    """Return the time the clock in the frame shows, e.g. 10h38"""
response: 1h49
